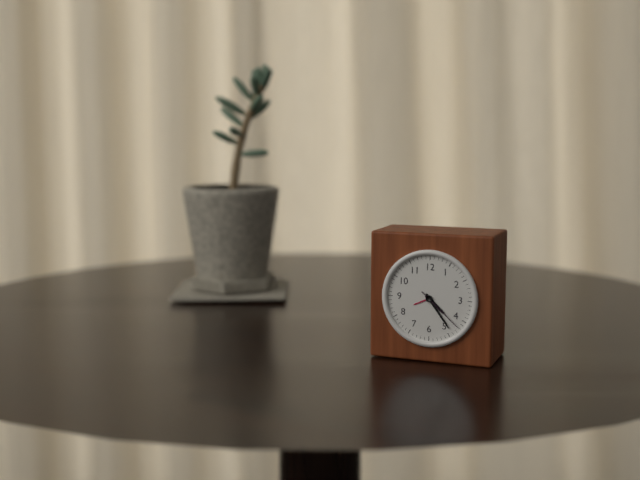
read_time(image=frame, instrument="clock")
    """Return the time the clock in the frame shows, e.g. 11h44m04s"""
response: 4h24m22s
